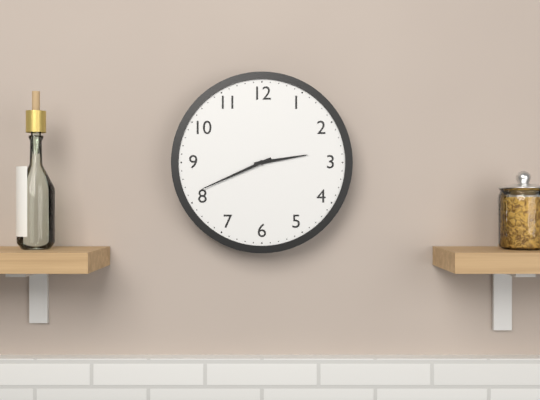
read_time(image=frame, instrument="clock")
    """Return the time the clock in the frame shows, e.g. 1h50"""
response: 2h41
